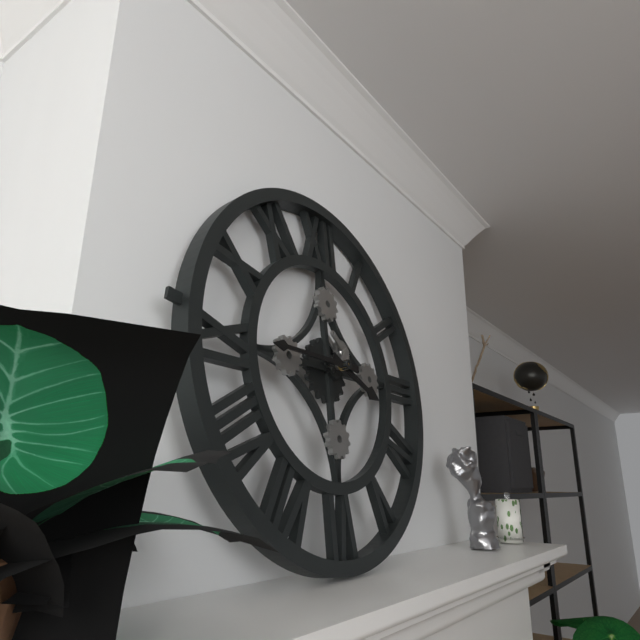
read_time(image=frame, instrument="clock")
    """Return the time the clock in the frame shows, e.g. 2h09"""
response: 3h45
